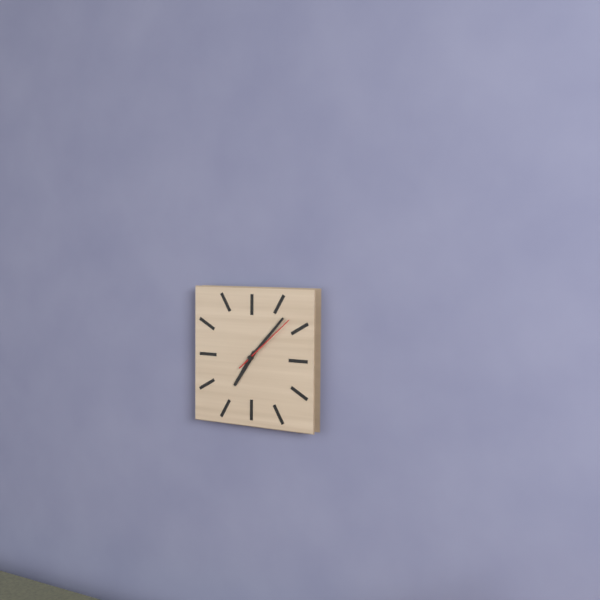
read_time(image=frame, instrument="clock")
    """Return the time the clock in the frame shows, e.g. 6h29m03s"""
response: 7h07m08s
